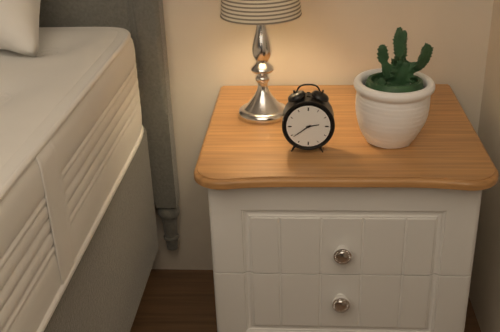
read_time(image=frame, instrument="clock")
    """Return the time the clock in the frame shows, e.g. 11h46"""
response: 2h39
